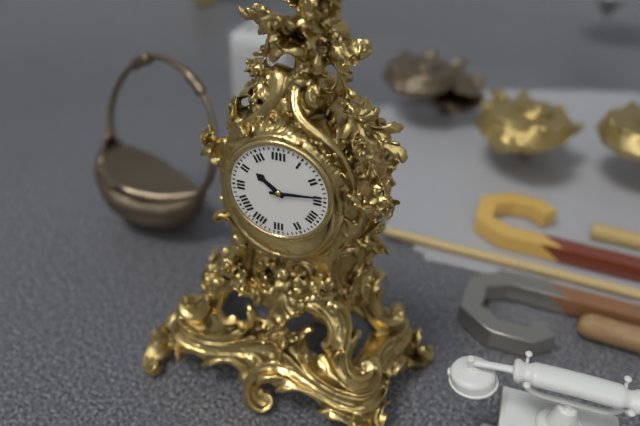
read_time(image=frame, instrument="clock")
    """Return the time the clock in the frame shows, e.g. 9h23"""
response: 10h14
